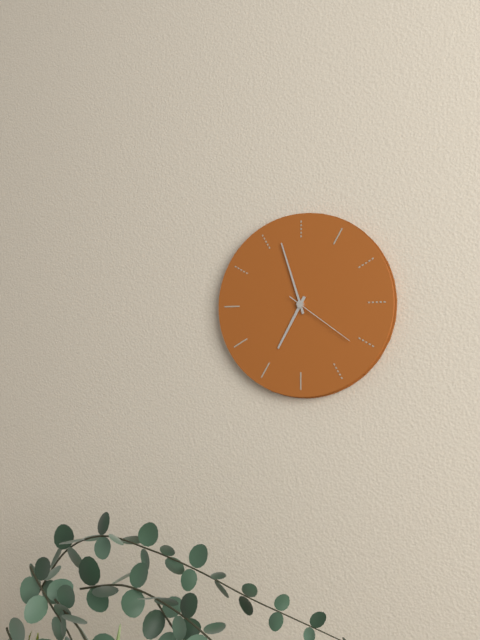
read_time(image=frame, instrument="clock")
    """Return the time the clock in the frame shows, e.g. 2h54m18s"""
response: 6h57m21s
